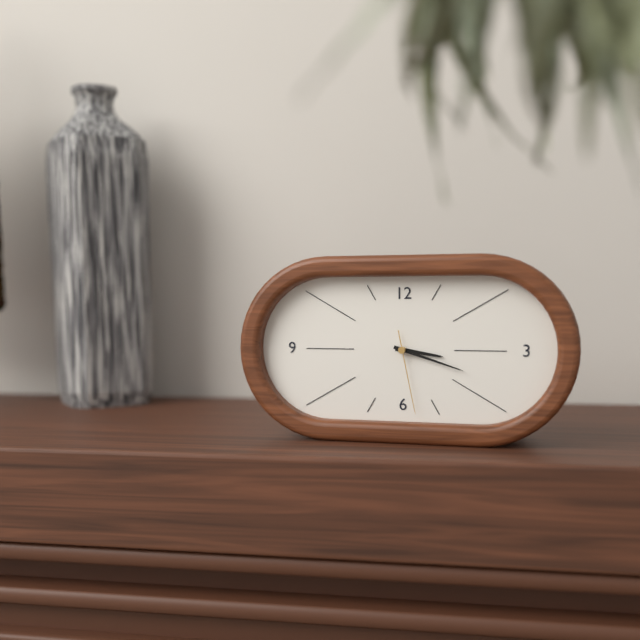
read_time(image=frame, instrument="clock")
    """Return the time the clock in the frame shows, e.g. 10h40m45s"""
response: 3h18m28s
